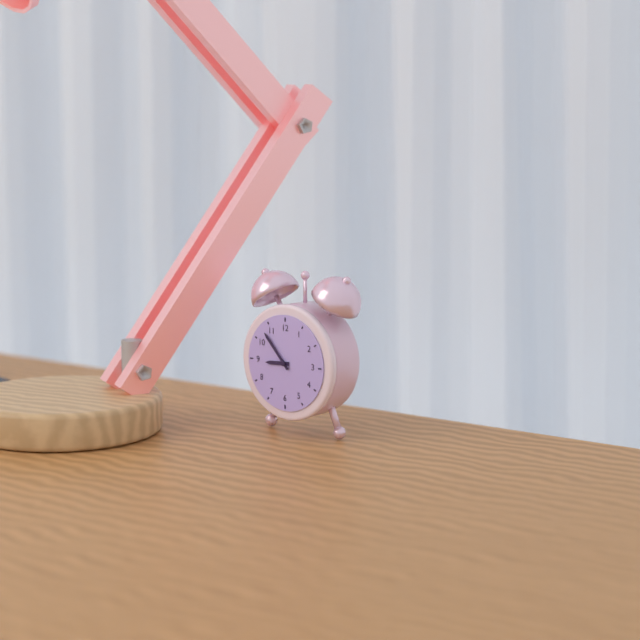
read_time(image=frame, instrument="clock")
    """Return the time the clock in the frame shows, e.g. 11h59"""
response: 8h53
